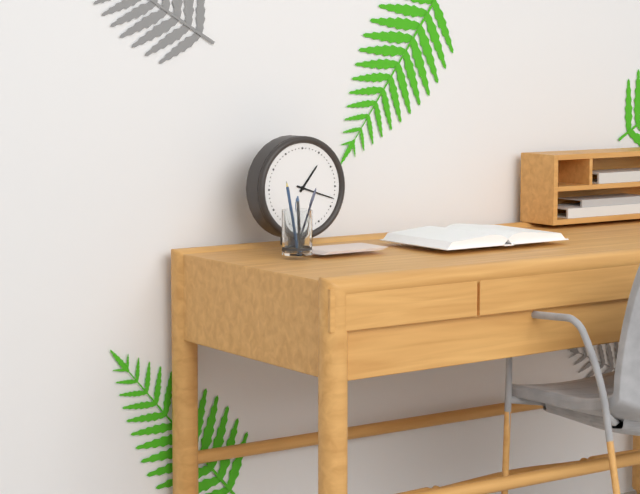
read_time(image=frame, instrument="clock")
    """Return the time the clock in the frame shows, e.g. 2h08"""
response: 1h18
